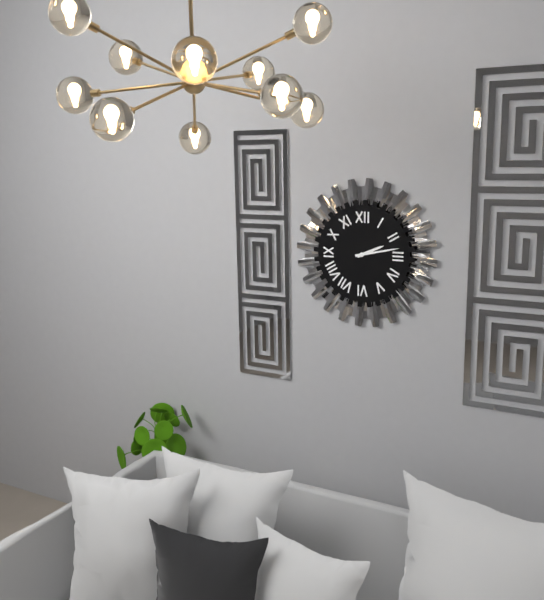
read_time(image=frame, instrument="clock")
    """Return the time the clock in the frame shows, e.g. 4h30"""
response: 2h13
